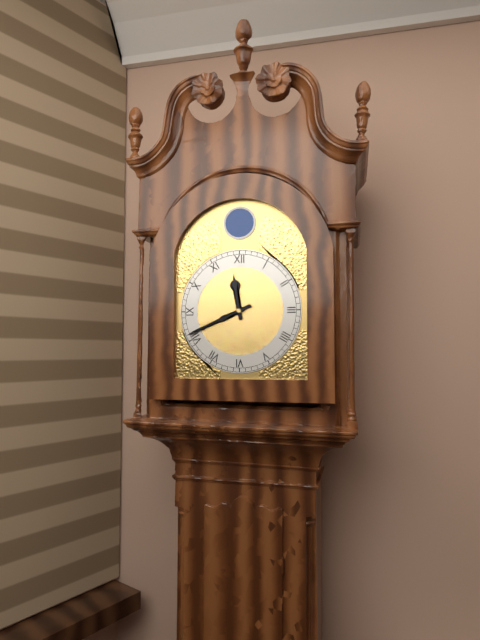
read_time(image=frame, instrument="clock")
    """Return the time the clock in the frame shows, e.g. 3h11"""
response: 11h41
